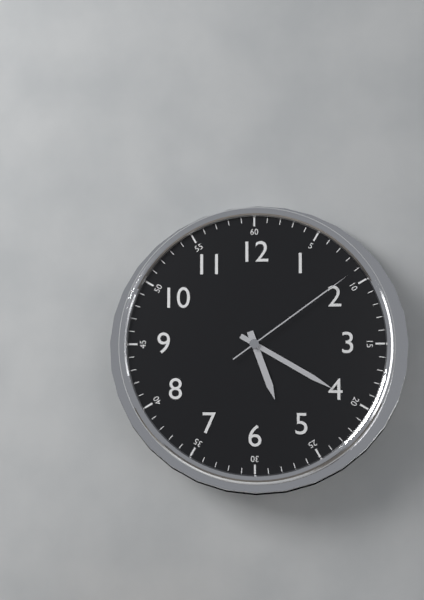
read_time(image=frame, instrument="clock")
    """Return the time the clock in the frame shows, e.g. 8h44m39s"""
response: 5h20m09s
